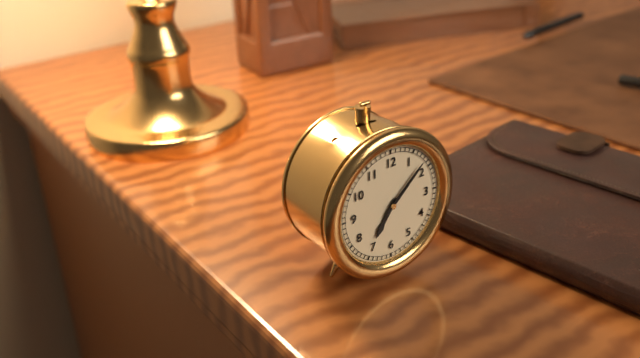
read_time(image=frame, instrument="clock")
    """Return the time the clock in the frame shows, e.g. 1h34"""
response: 7h08
